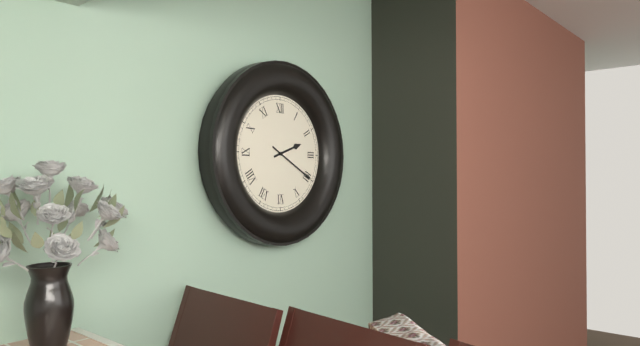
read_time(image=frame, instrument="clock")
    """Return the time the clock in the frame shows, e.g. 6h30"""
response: 2h20
